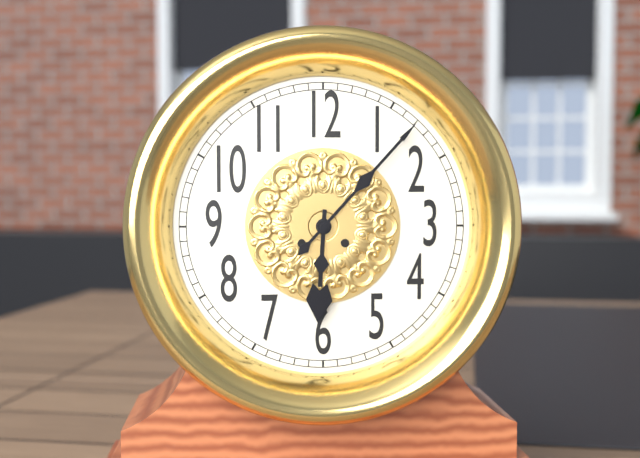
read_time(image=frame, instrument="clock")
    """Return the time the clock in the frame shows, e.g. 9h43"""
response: 6h07
